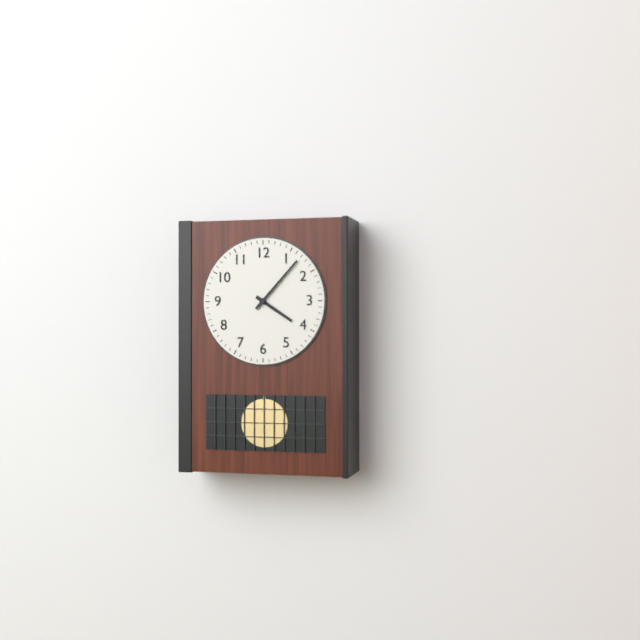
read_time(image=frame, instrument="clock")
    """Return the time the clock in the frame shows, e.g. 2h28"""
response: 4h07
